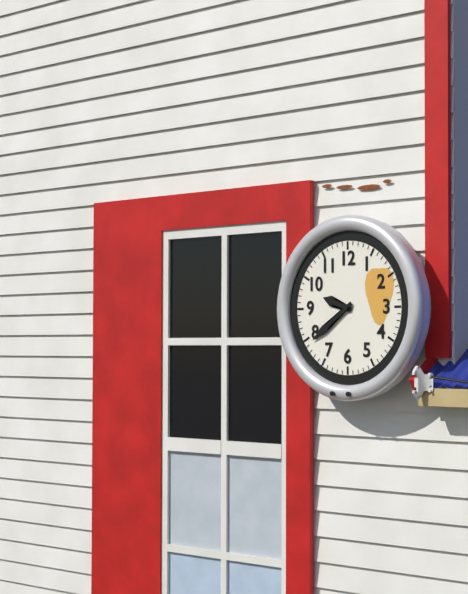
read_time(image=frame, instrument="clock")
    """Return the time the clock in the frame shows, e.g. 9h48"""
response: 9h39
